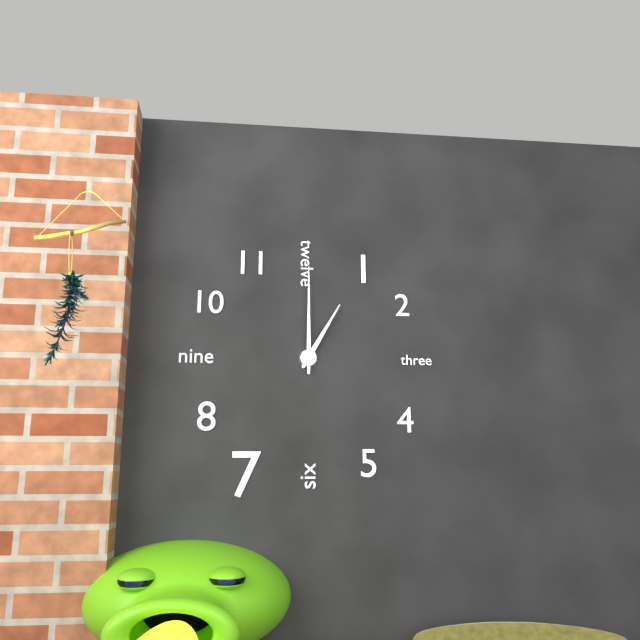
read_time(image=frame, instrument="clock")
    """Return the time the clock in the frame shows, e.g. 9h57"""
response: 1h00
